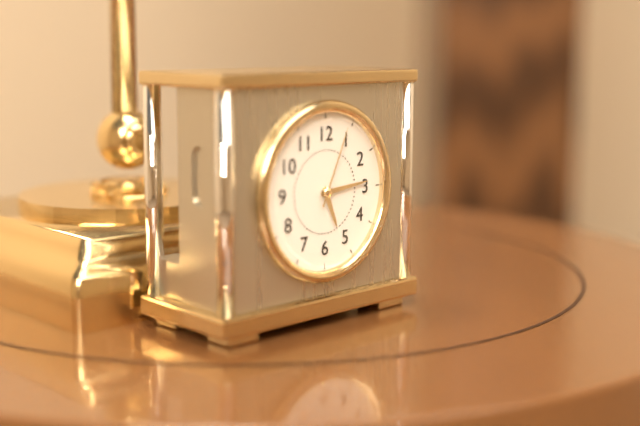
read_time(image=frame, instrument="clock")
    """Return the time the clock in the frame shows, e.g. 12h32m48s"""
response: 5h14m04s
